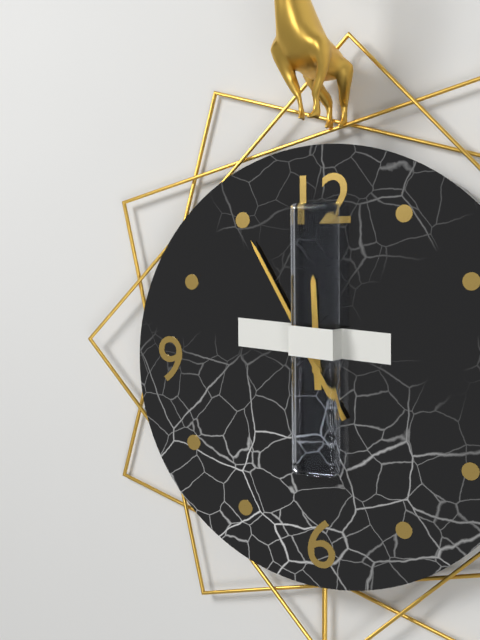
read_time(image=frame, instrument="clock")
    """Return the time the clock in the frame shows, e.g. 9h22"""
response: 11h55
